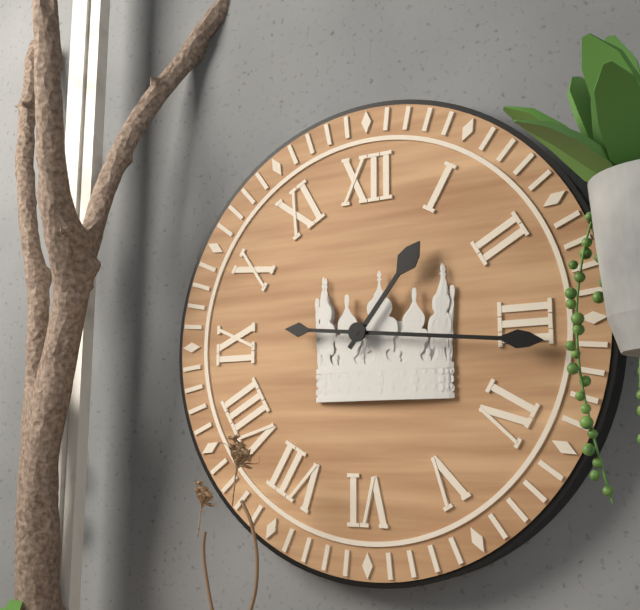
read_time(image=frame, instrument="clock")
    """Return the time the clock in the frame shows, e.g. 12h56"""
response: 1h16
